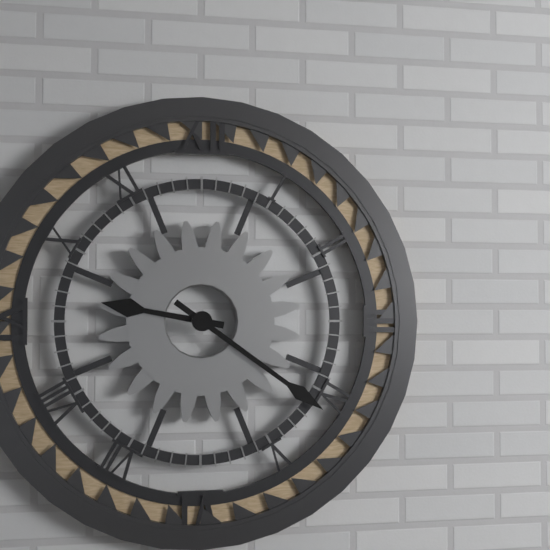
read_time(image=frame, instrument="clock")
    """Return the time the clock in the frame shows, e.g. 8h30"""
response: 9h21
